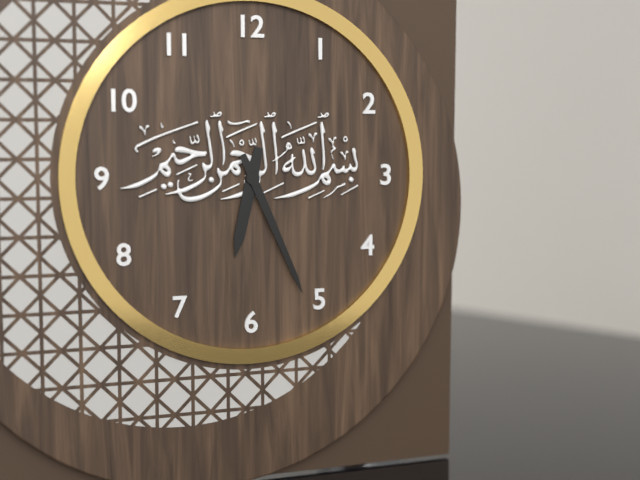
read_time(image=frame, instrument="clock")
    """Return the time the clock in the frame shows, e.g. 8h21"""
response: 6h26
